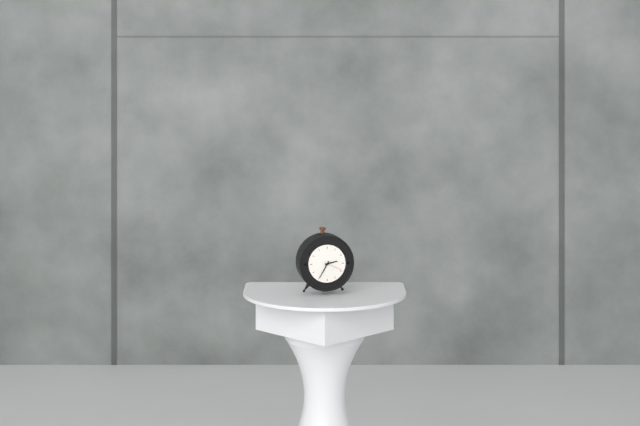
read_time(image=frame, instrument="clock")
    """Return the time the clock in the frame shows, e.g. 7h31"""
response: 2h35
